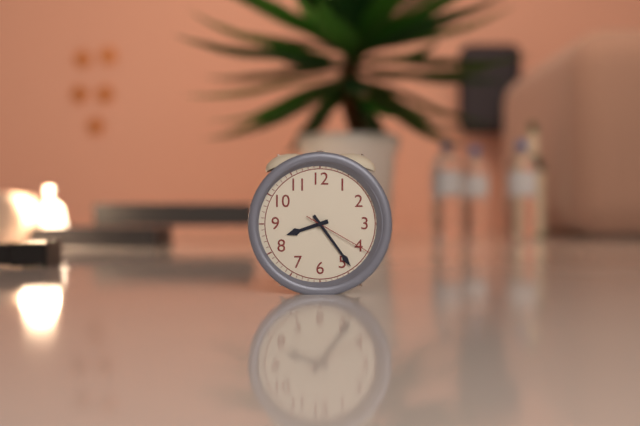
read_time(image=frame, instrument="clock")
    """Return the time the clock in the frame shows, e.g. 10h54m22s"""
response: 8h24m20s
